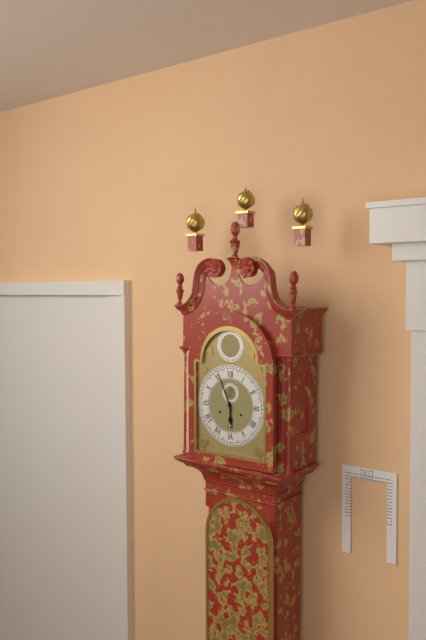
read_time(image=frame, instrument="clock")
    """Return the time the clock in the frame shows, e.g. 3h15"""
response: 5h56
